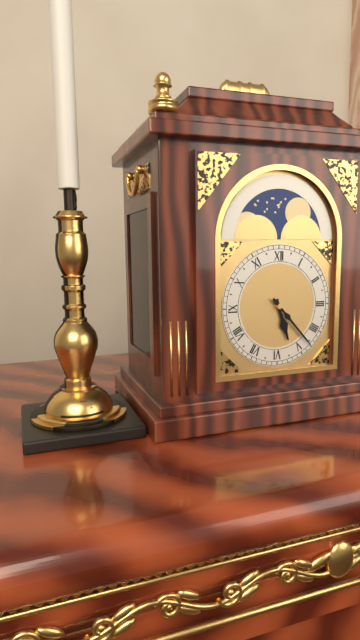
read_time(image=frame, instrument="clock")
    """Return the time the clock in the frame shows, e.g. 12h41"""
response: 5h23
